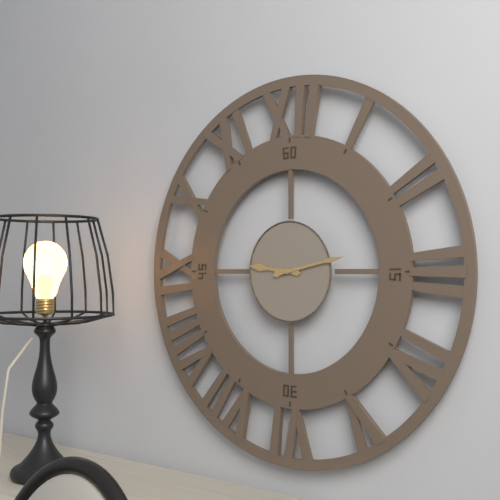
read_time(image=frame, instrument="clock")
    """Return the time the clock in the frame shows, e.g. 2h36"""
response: 9h13
